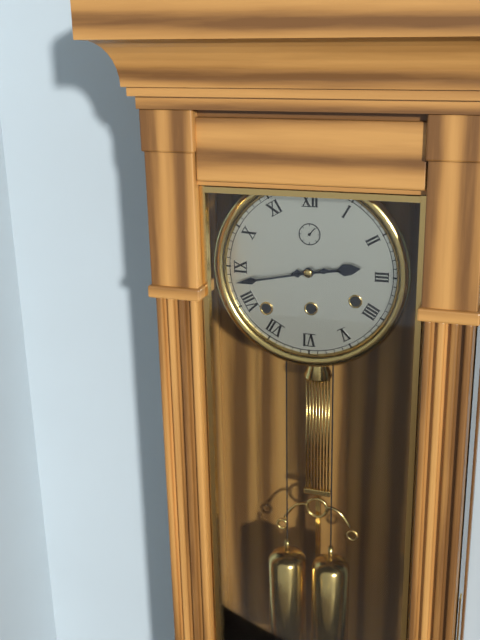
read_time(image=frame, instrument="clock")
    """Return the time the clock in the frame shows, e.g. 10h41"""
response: 2h43
